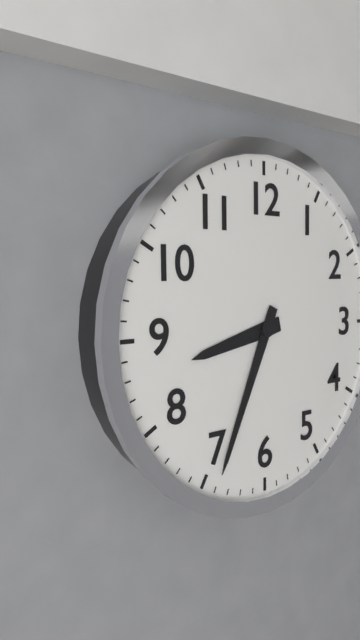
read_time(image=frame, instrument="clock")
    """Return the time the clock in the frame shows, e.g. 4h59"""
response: 8h34
